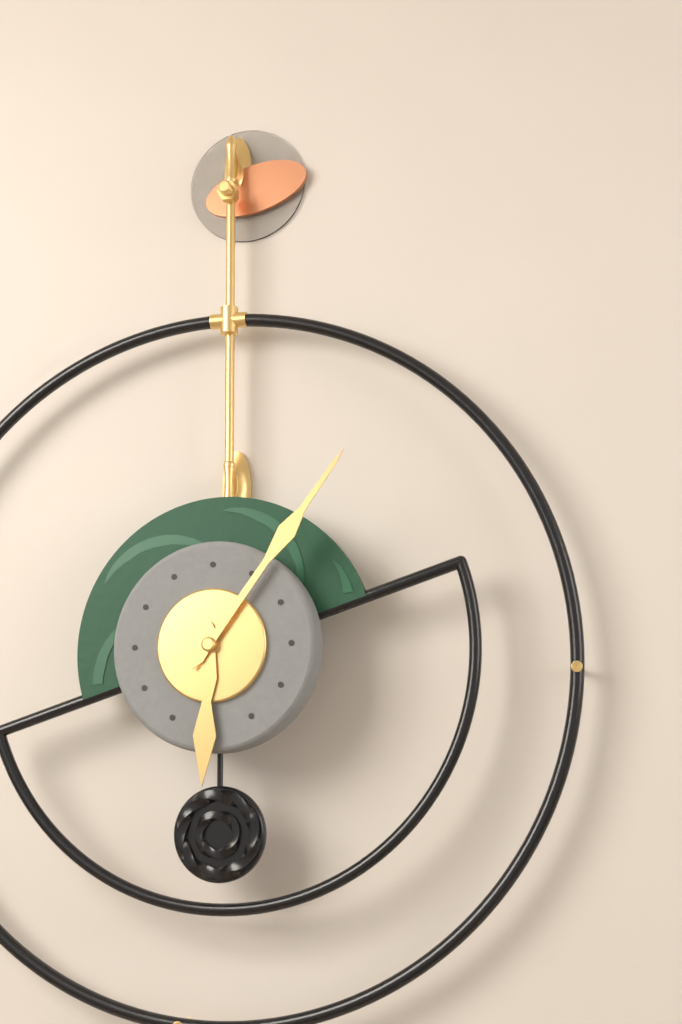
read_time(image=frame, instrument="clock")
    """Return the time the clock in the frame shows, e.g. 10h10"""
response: 6h06
